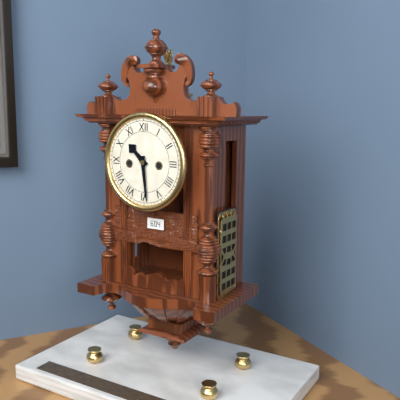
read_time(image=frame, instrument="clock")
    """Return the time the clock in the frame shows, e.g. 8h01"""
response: 10h29
